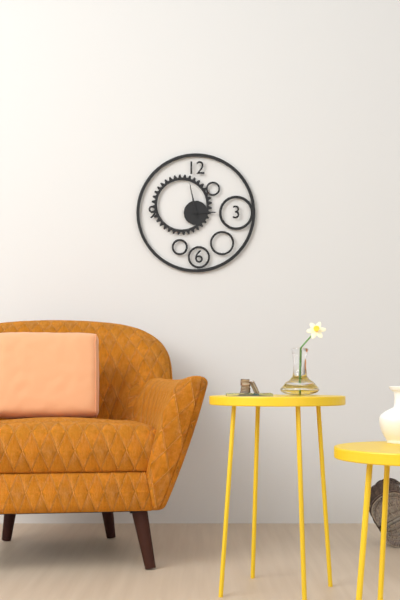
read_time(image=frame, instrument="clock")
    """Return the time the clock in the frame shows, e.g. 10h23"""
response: 2h58
